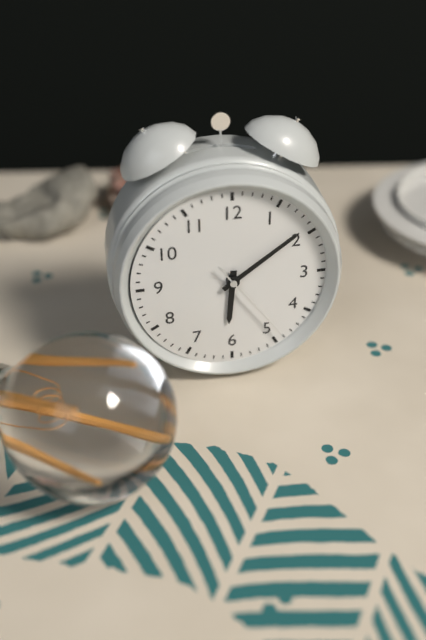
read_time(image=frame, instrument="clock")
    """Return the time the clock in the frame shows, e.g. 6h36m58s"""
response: 6h09m24s
